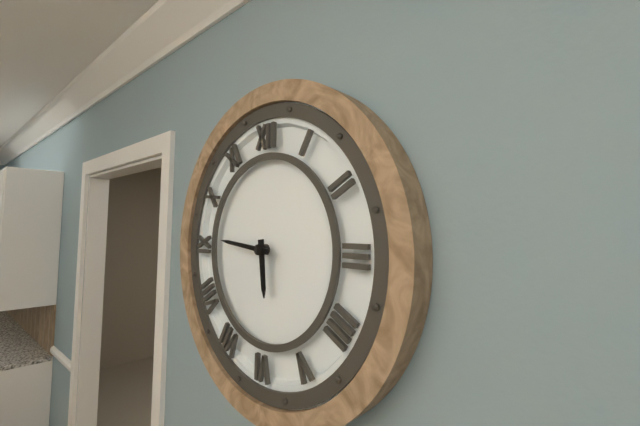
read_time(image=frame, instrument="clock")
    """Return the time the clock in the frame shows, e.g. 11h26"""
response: 5h46
